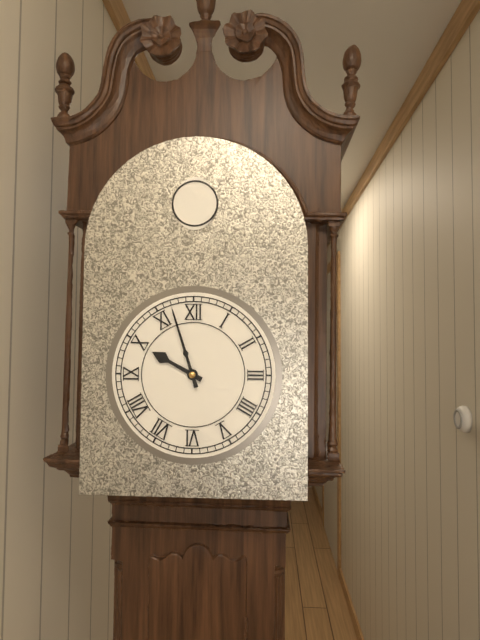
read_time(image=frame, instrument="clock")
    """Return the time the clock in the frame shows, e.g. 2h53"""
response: 9h57
